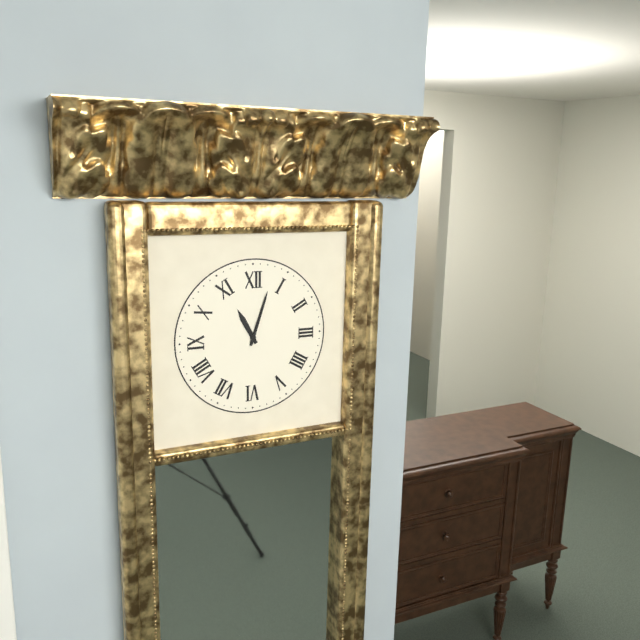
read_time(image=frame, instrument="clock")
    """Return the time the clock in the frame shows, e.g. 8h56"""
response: 11h03
